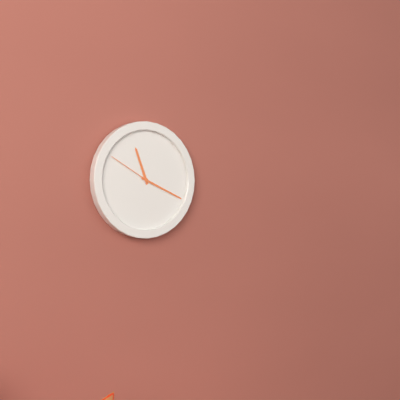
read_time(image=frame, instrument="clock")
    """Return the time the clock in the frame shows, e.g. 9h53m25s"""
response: 11h19m50s
